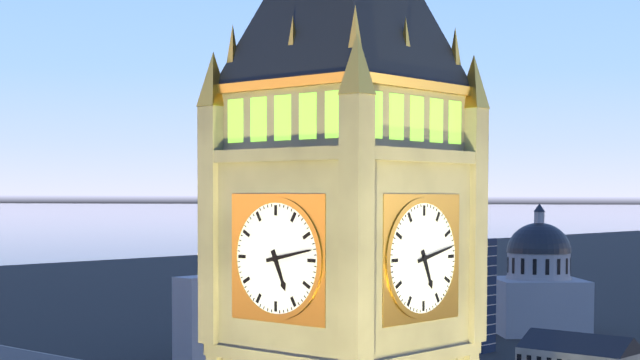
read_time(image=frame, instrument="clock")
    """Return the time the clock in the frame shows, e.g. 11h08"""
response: 5h13
